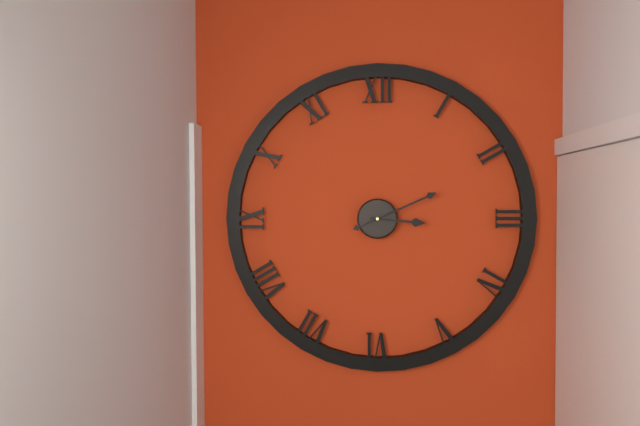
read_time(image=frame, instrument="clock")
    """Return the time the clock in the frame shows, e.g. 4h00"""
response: 3h11
